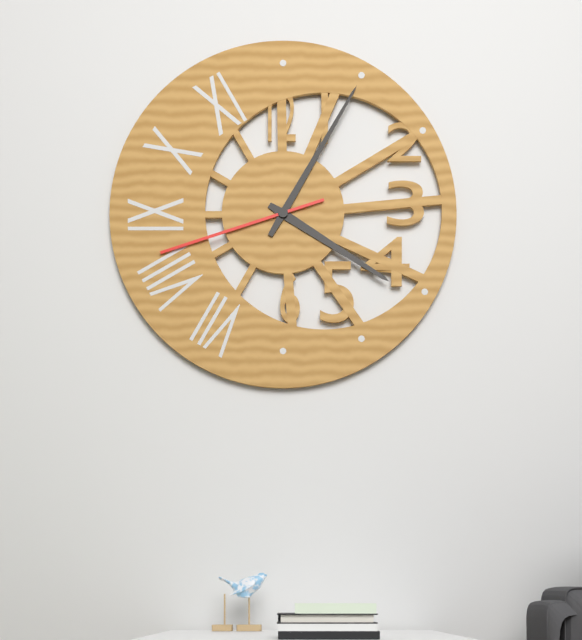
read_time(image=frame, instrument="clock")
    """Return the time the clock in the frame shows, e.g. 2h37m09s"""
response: 4h05m42s
